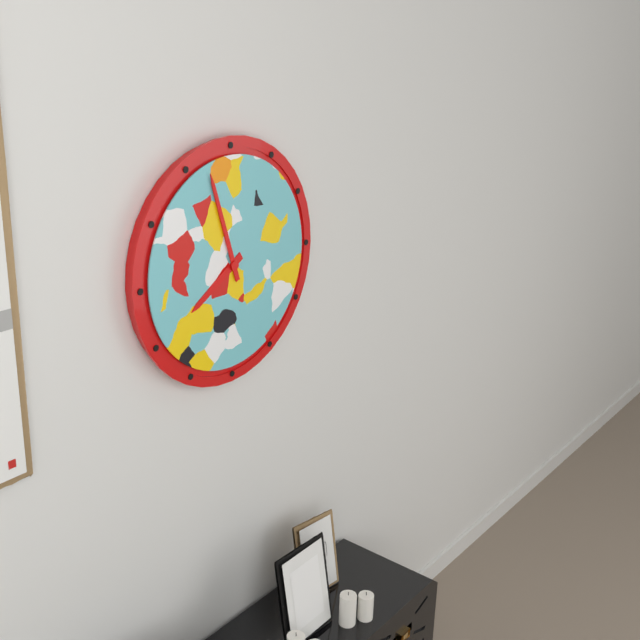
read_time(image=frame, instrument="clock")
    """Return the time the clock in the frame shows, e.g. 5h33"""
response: 7h57
